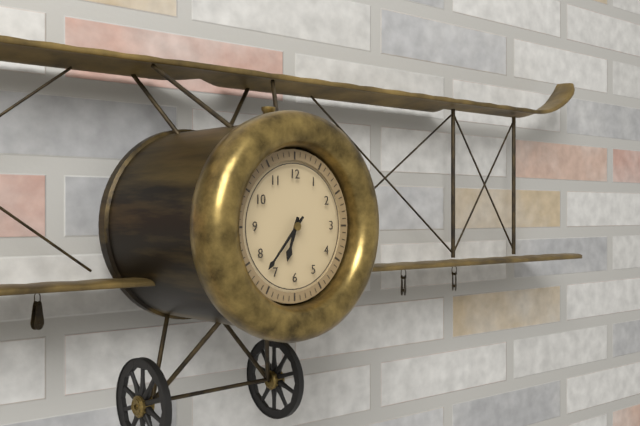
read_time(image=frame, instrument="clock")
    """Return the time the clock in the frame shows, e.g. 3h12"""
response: 6h37
